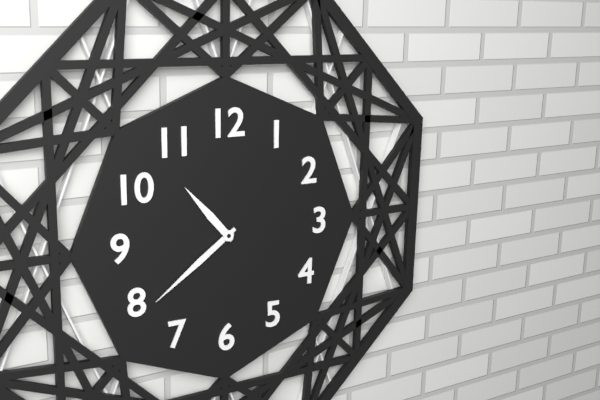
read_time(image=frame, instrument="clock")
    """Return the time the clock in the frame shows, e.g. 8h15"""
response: 10h39
